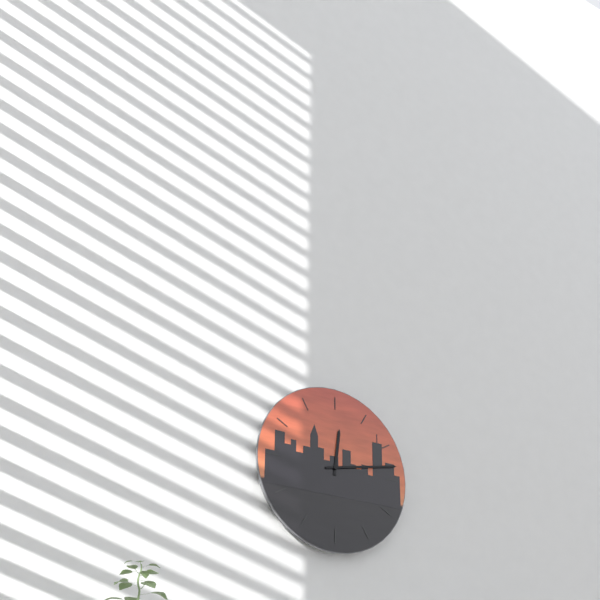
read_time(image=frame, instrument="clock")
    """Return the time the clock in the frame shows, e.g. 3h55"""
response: 12h13
